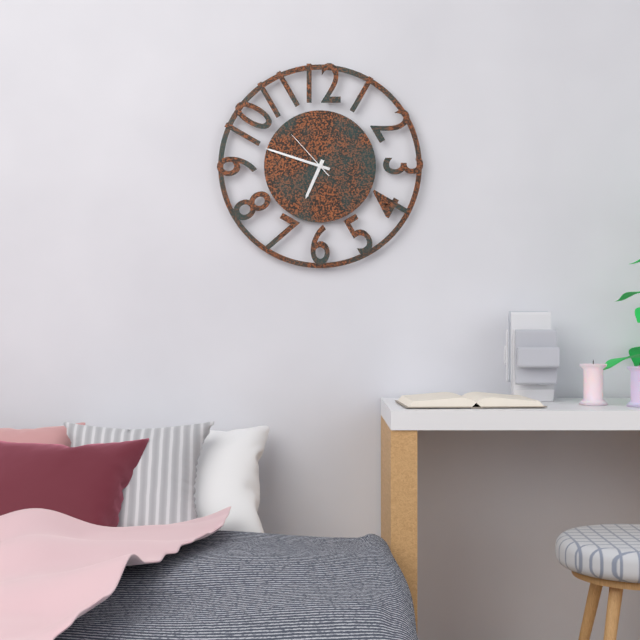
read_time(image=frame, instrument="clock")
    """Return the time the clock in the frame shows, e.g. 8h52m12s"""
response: 6h48m53s
